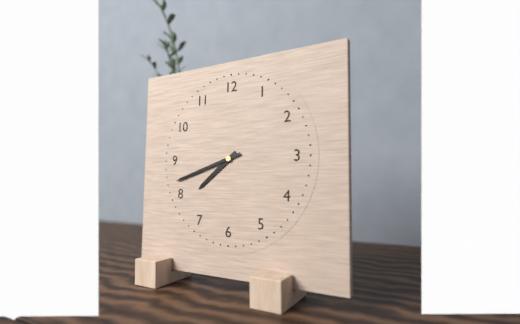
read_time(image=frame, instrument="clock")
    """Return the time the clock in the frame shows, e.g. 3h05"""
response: 7h42
